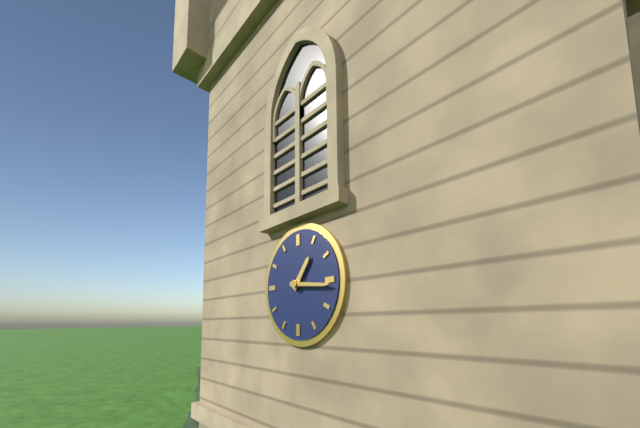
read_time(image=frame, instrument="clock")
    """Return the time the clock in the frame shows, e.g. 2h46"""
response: 1h16
